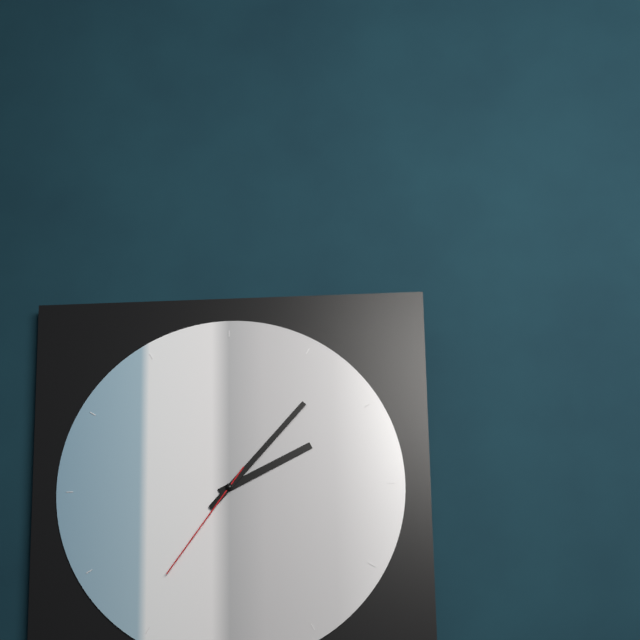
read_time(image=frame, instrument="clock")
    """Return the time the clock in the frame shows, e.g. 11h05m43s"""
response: 2h07m36s
